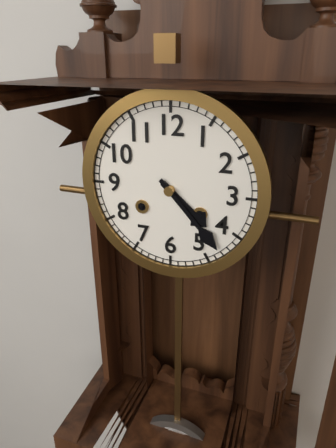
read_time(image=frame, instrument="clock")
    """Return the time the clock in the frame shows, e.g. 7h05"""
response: 4h23
